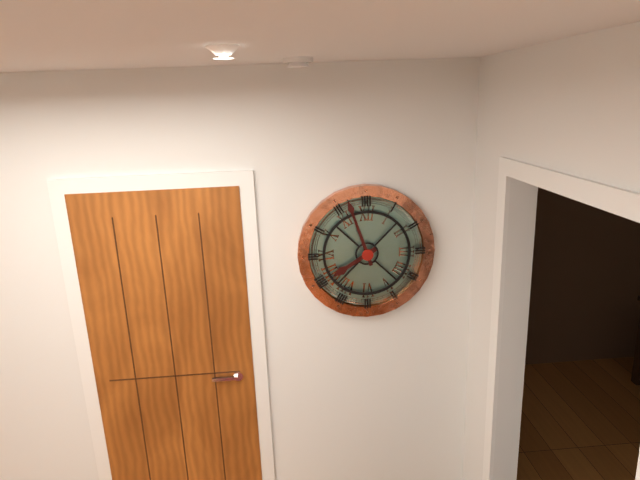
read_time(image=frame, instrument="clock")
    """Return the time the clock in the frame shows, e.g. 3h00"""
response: 7h57
